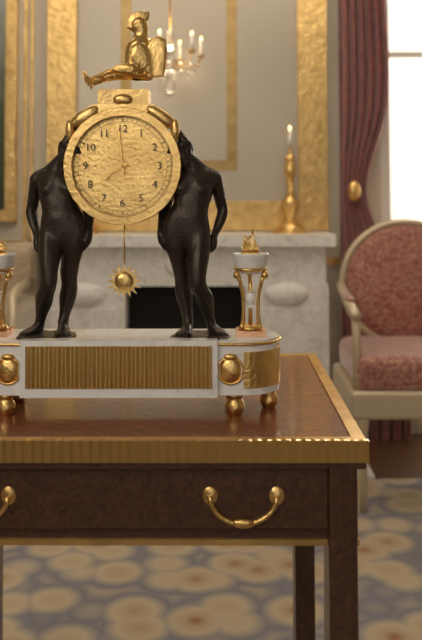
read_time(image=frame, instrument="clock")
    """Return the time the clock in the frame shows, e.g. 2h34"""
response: 7h59
